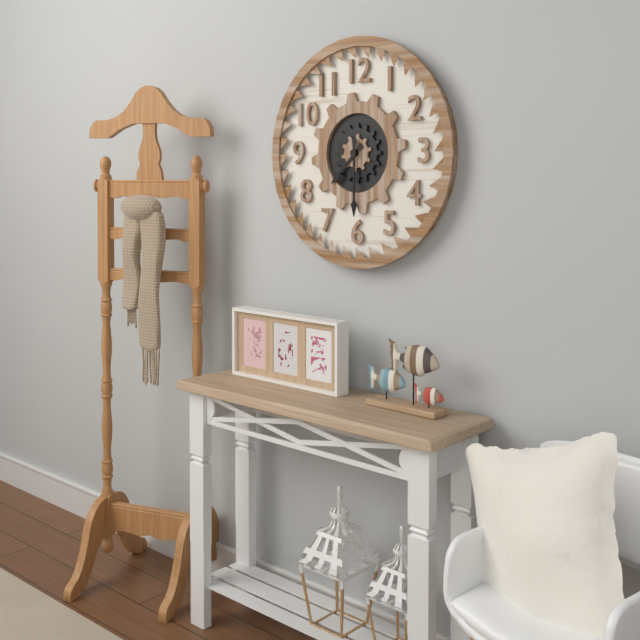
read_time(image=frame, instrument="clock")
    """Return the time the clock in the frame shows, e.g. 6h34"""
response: 7h30
